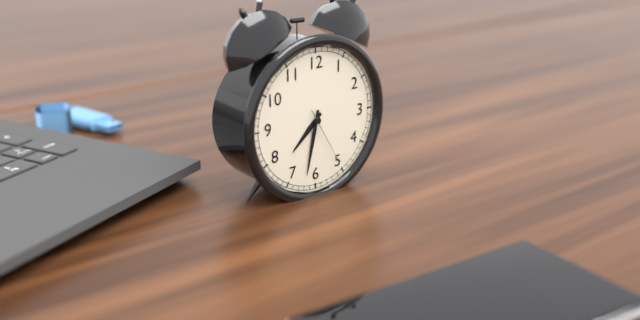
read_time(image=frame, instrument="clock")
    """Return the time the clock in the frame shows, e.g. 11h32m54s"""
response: 7h32m25s
